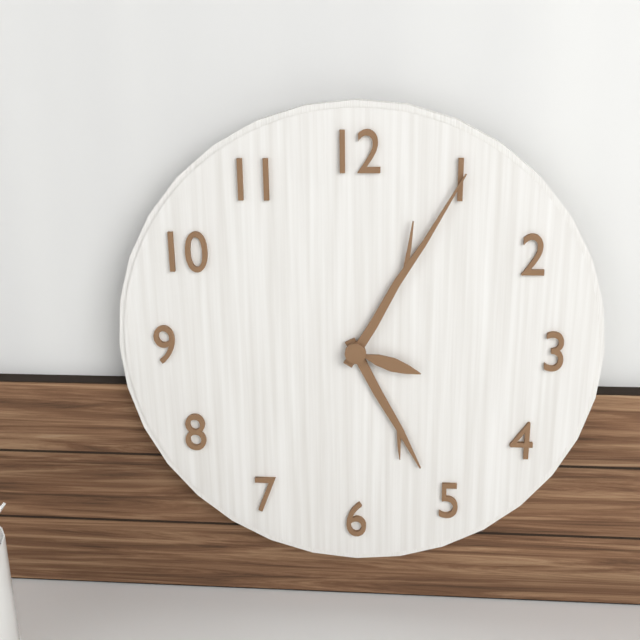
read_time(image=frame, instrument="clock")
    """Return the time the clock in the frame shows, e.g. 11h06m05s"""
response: 5h05m18s
